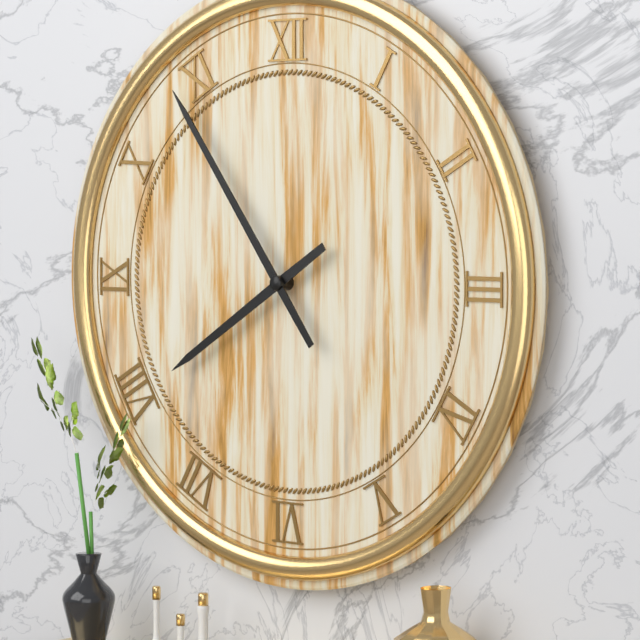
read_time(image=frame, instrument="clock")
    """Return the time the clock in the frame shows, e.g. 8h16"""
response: 7h54
